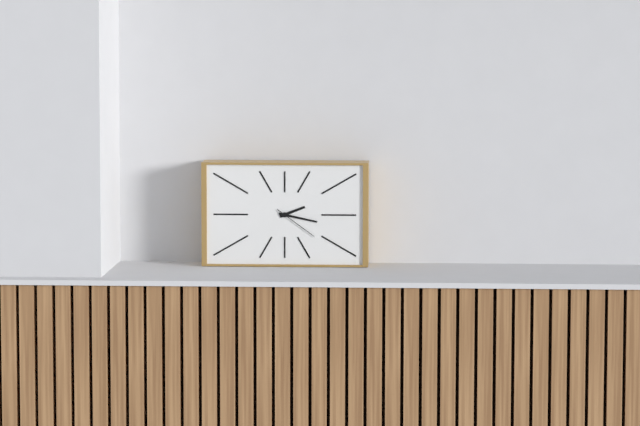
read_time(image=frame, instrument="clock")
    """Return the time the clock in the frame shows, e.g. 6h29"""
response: 2h17
